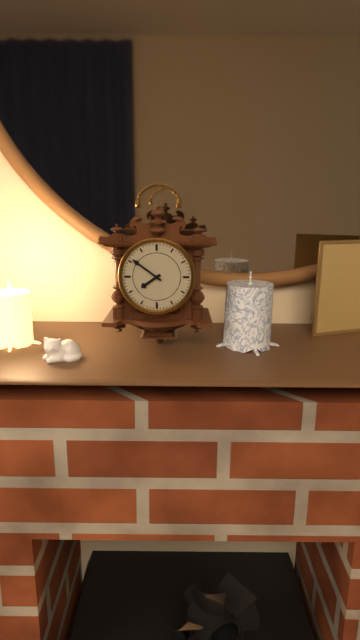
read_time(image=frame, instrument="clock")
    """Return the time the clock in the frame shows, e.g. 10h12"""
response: 7h51
